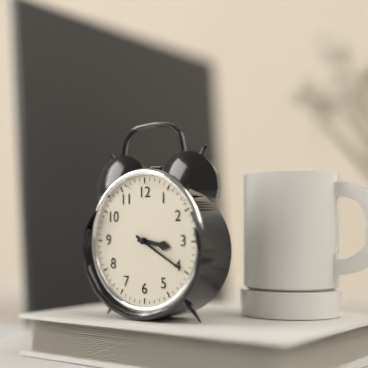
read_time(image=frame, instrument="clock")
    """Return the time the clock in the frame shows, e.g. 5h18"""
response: 3h20
